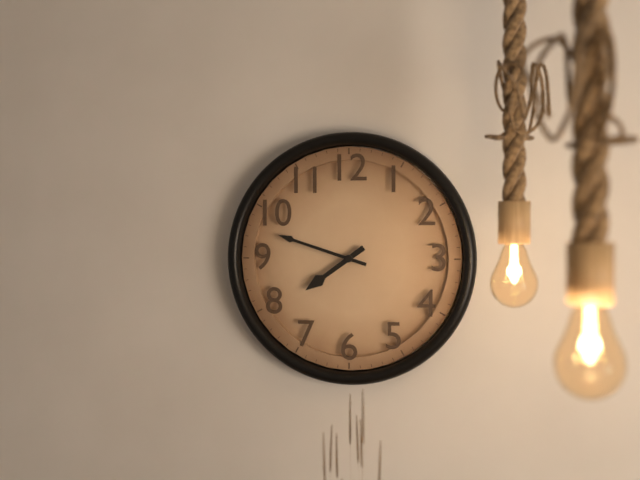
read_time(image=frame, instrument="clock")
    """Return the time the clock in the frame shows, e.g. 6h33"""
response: 7h48
